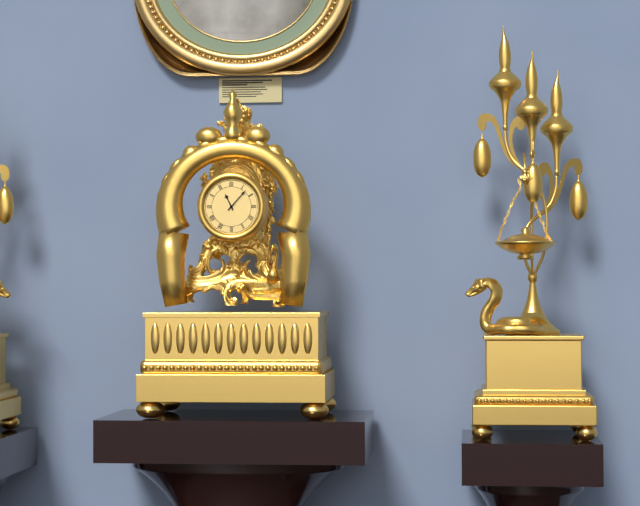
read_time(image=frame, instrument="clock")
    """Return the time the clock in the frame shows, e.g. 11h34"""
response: 11h07
